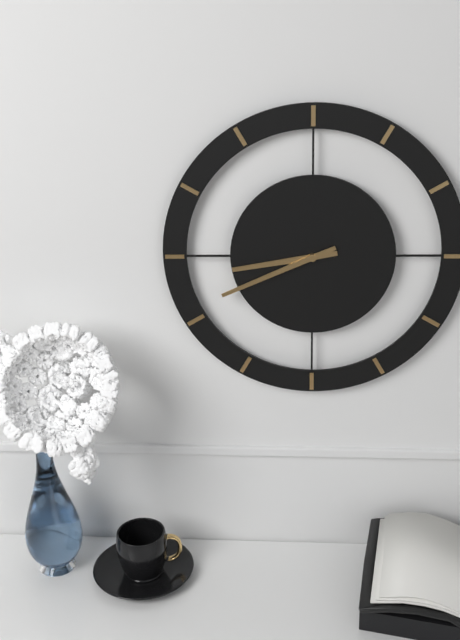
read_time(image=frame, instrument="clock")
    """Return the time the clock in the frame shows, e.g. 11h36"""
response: 8h41
